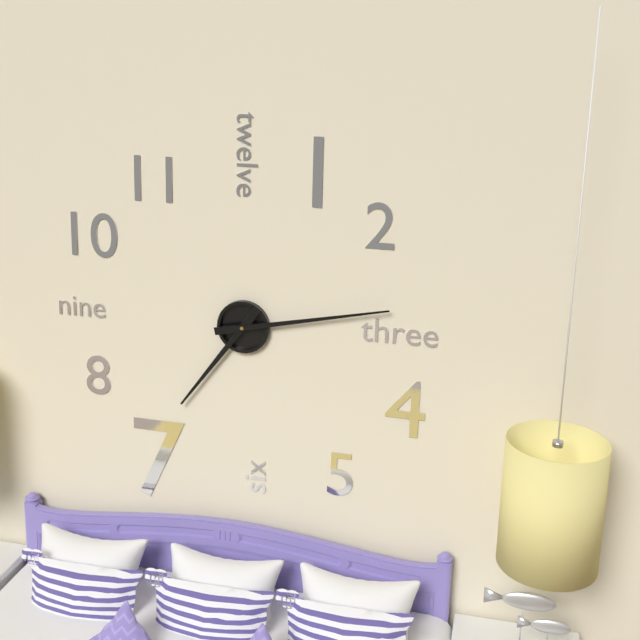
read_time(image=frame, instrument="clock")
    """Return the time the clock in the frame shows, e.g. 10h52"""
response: 7h13
